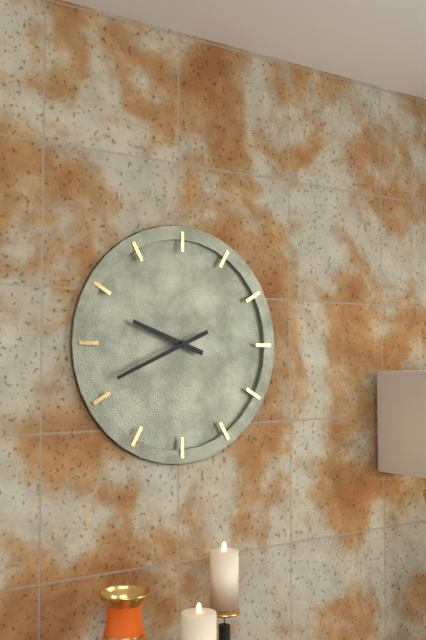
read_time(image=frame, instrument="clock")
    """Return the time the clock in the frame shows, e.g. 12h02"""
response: 9h41
